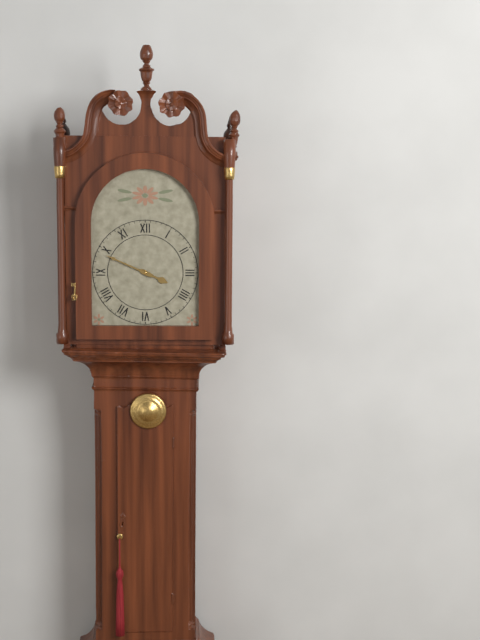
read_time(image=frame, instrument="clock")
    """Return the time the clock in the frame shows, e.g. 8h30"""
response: 3h49
